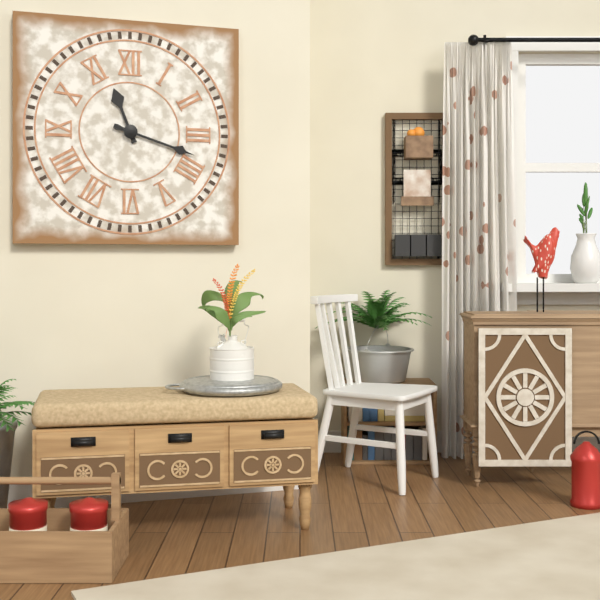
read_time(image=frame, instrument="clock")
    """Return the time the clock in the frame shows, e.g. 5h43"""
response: 11h18
